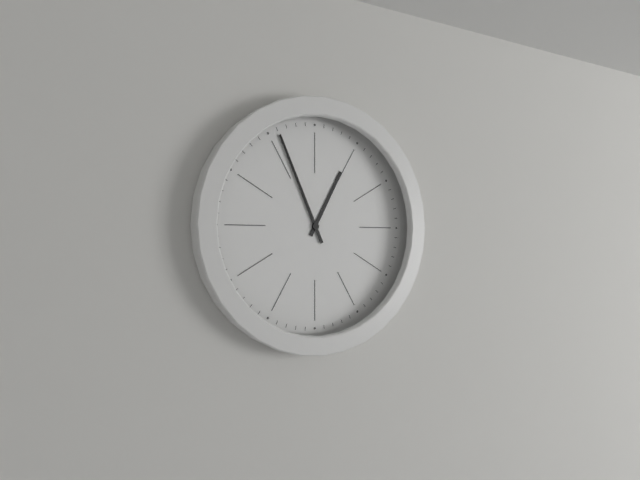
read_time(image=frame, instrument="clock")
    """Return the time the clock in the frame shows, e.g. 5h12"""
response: 12h56
